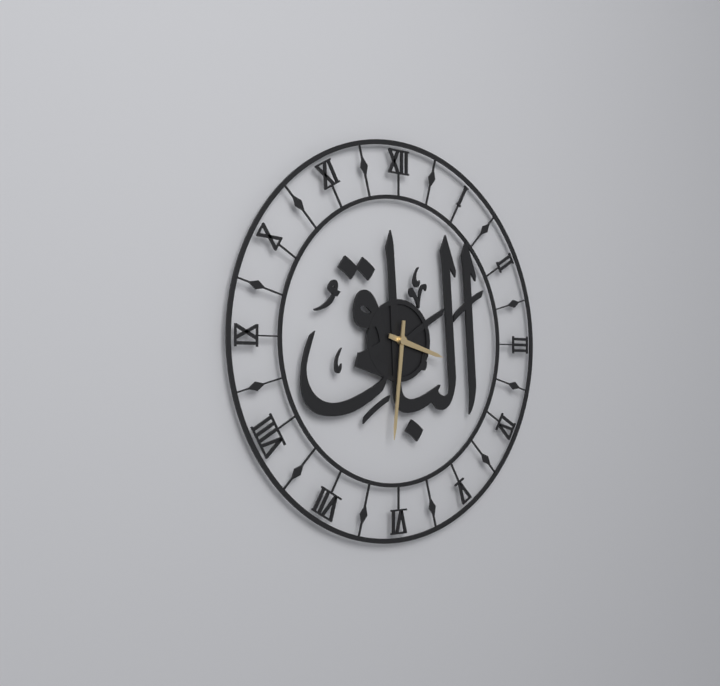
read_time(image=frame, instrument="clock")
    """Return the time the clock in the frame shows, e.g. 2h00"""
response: 3h31
